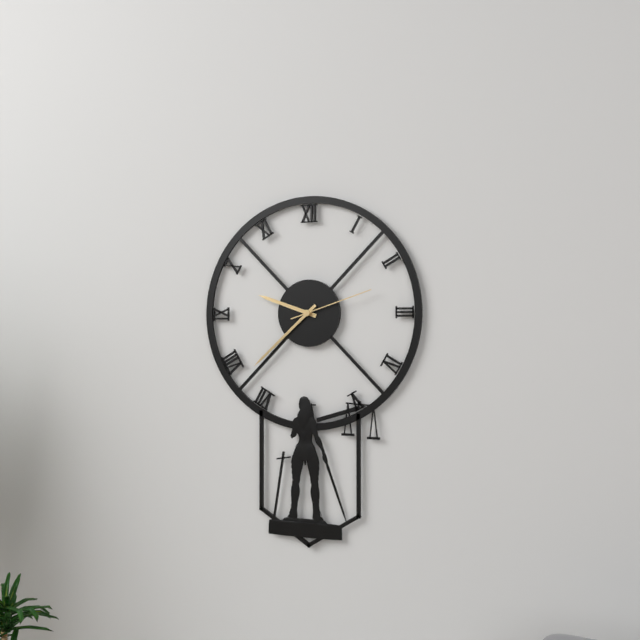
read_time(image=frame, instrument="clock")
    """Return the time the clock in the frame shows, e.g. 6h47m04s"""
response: 9h38m12s
